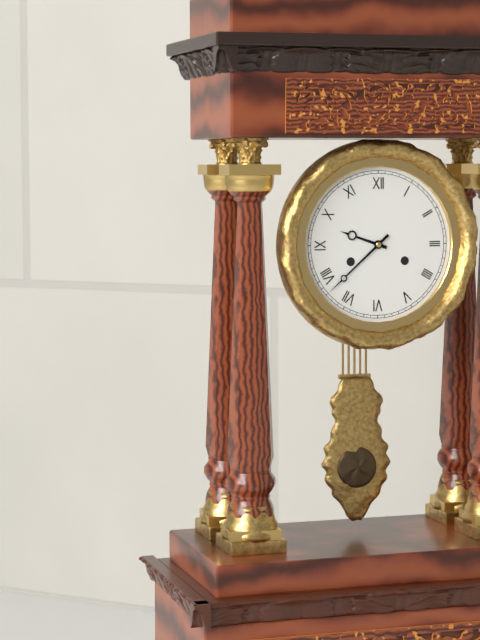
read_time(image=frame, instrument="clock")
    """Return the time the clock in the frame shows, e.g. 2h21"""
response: 9h38
